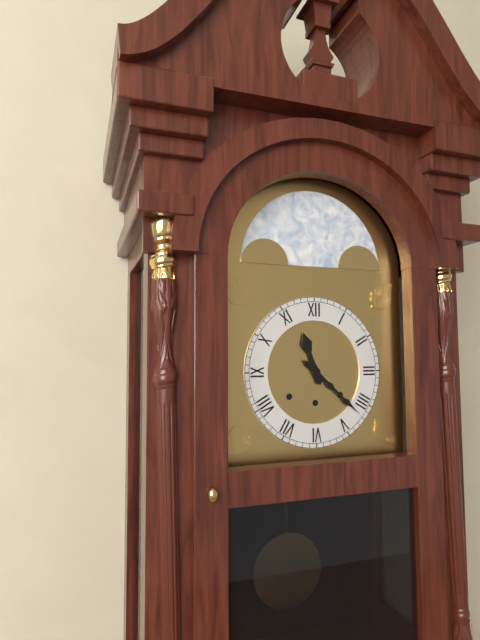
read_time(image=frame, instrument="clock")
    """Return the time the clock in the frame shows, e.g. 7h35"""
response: 11h22
